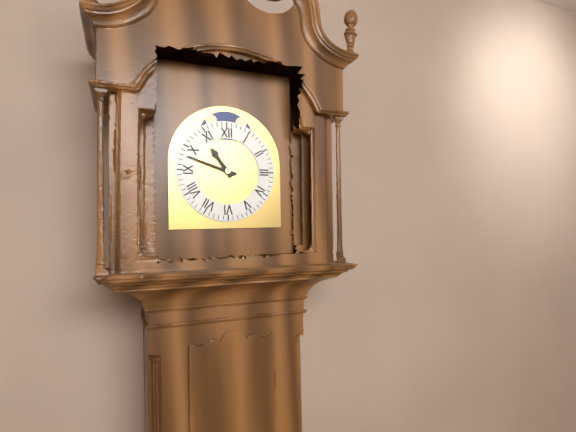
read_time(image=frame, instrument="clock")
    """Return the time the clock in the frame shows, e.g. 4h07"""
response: 10h48
